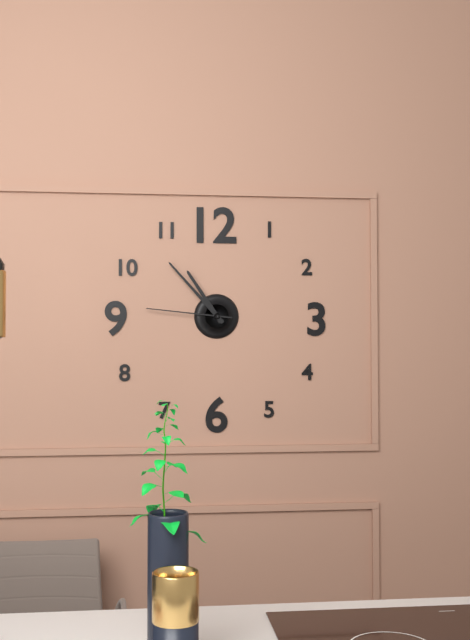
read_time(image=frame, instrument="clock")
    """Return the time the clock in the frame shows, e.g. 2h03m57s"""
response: 10h53m46s
